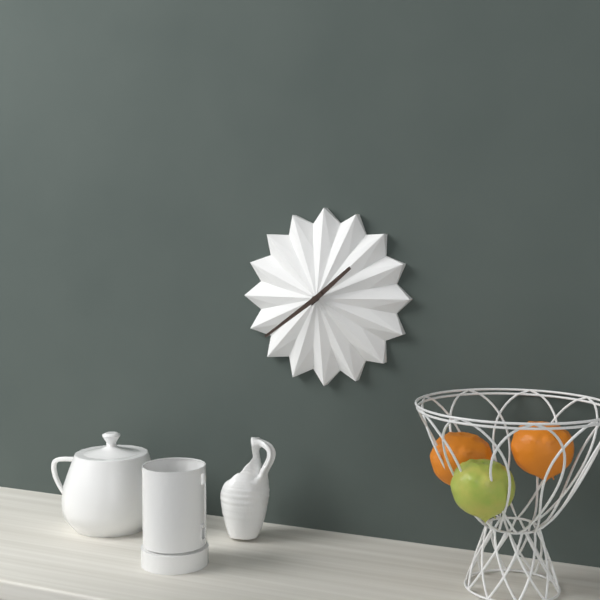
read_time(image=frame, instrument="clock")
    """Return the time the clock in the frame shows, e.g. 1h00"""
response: 1h39
